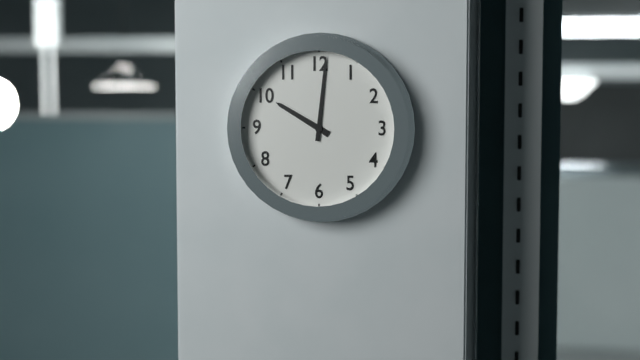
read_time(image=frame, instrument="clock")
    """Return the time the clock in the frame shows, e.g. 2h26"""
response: 10h01
